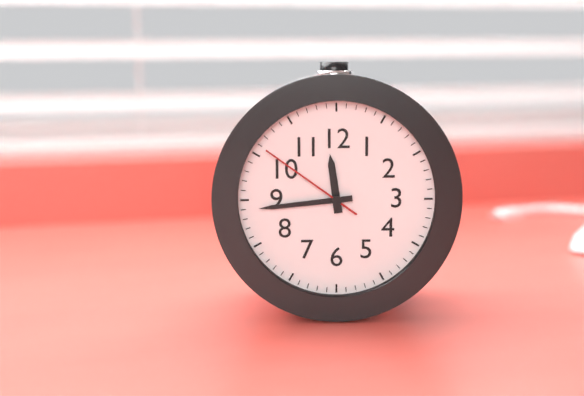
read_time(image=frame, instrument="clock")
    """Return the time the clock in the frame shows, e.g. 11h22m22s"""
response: 11h44m51s
